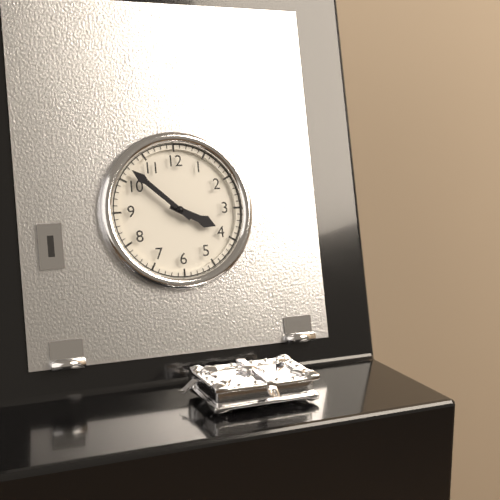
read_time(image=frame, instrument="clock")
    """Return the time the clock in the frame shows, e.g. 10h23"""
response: 3h52
